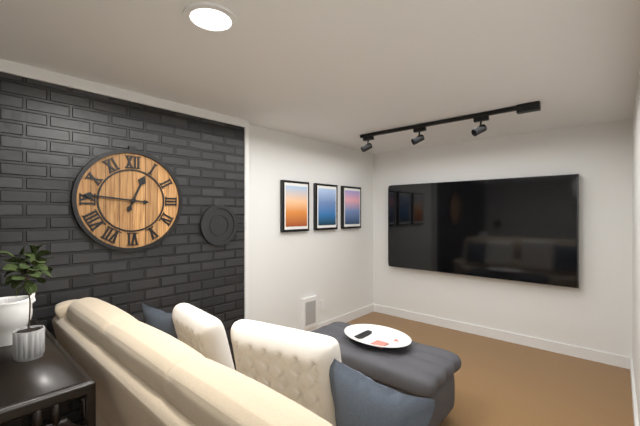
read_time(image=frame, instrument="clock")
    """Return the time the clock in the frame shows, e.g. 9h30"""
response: 12h46
